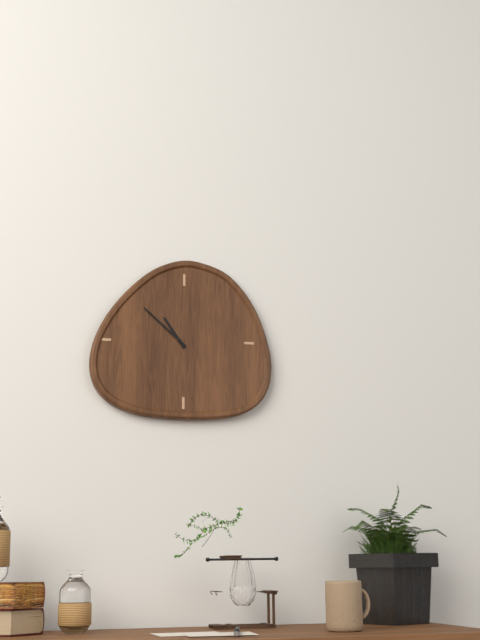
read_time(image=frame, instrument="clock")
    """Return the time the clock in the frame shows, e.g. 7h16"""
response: 10h52
